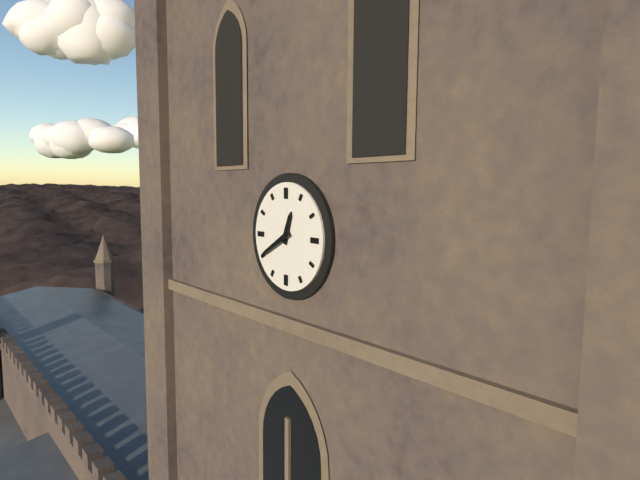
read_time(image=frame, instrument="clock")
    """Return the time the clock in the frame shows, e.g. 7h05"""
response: 12h40
